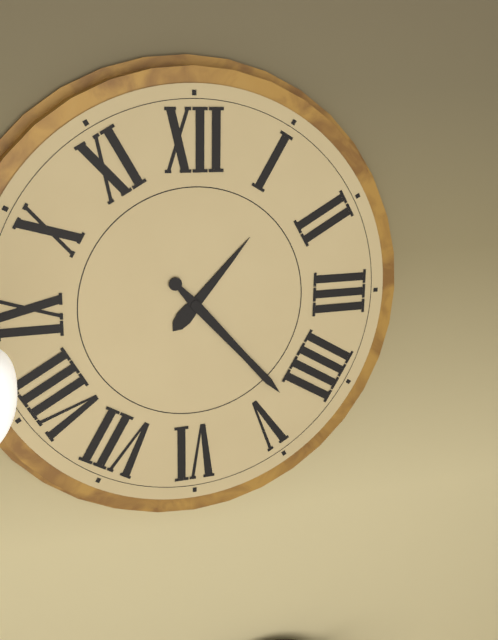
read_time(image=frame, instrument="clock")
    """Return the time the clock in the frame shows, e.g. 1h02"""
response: 1h23
